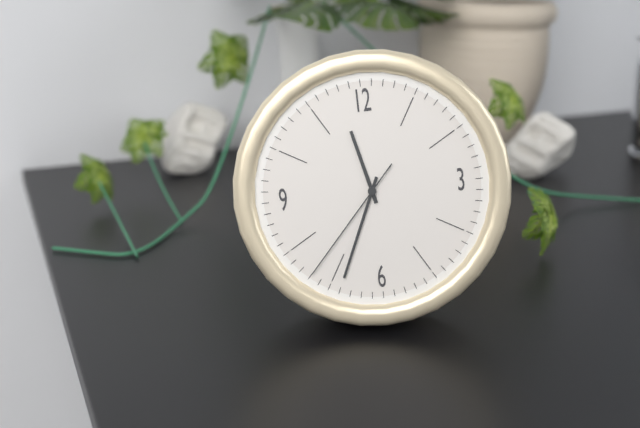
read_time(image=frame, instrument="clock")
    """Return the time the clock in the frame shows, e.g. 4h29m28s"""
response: 11h34m37s
